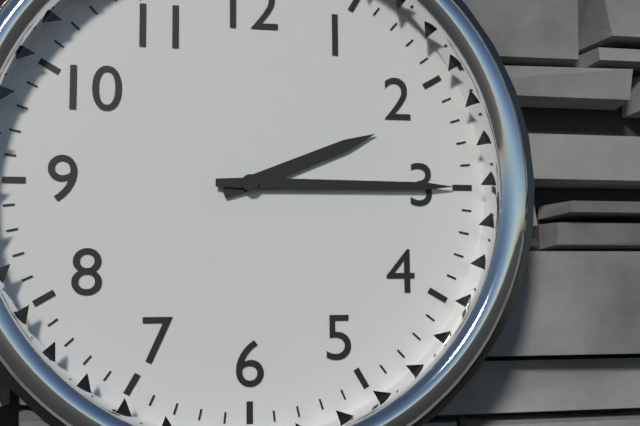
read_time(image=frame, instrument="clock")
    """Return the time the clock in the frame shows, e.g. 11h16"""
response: 2h15
